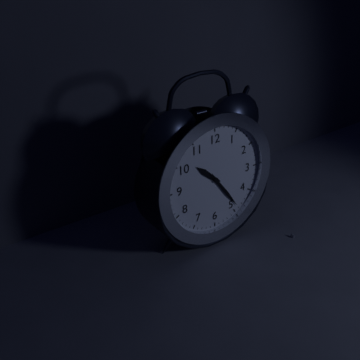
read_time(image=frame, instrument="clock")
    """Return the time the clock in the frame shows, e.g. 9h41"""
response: 10h24
